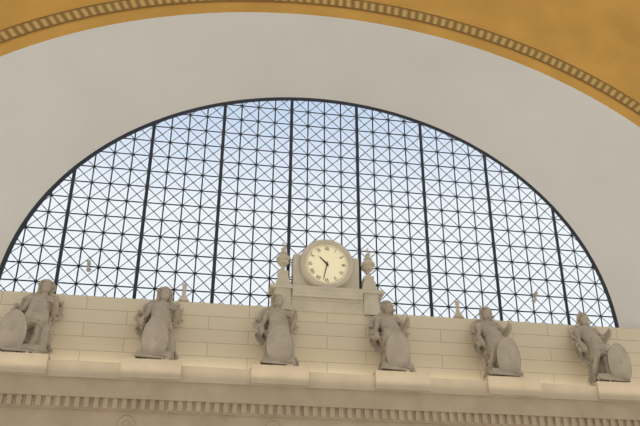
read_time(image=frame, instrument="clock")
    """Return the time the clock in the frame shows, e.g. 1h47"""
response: 10h32
